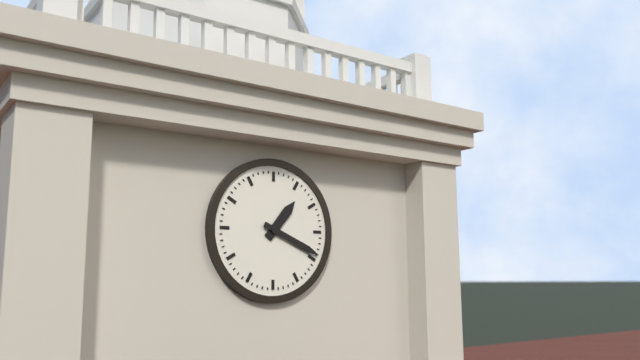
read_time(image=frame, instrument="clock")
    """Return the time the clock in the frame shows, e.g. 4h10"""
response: 1h19
